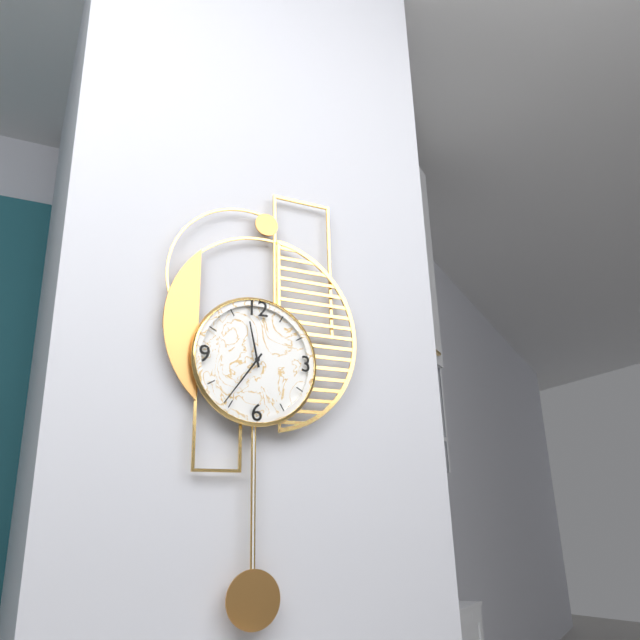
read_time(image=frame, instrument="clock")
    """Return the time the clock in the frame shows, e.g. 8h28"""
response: 11h36
